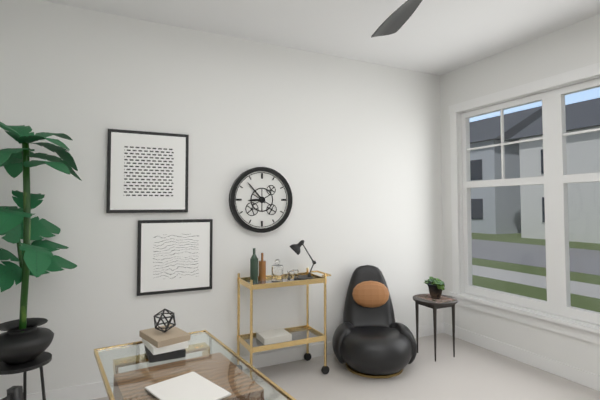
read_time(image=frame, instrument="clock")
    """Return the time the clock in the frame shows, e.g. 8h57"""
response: 8h53
